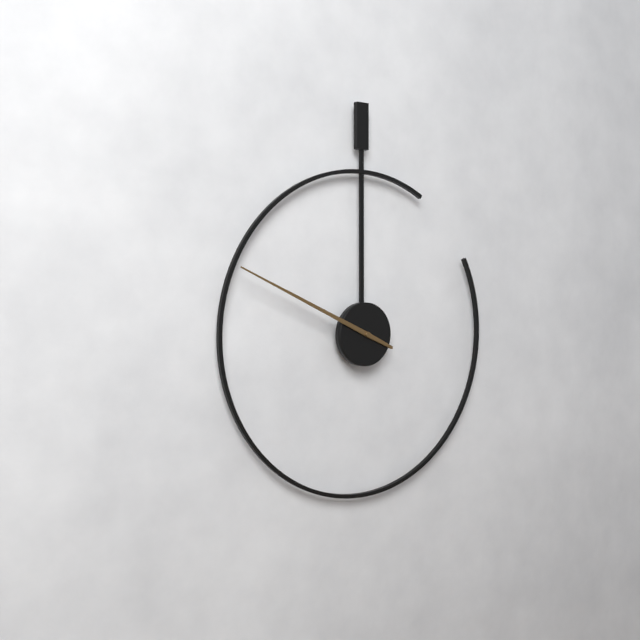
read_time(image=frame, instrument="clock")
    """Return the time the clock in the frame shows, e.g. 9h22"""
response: 9h49
